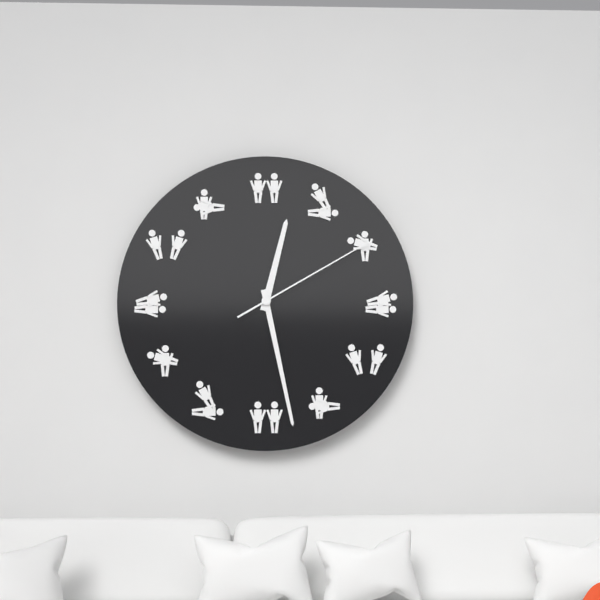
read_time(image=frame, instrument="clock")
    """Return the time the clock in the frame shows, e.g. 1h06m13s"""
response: 12h28m10s
